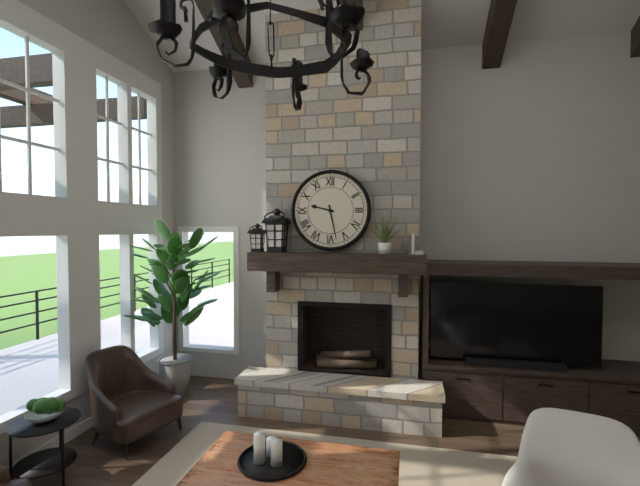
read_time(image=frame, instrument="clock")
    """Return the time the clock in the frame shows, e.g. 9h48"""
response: 9h28
